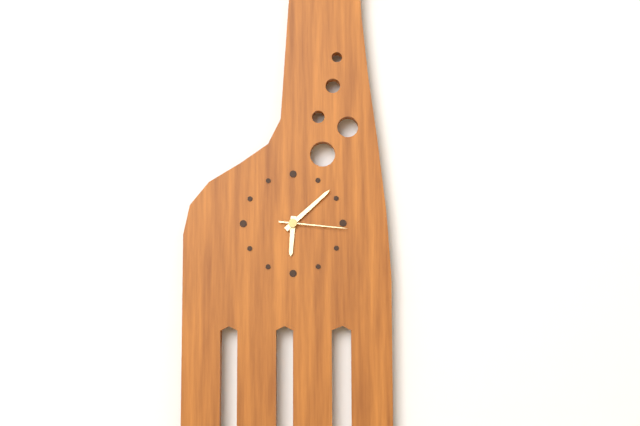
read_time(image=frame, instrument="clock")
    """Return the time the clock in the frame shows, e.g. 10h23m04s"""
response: 6h08m16s
